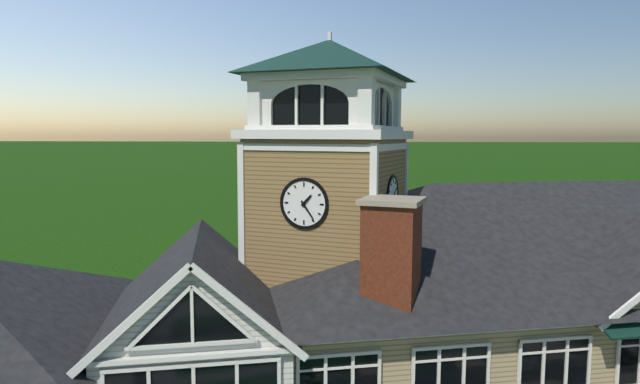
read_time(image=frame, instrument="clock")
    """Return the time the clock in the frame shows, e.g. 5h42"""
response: 1h24
